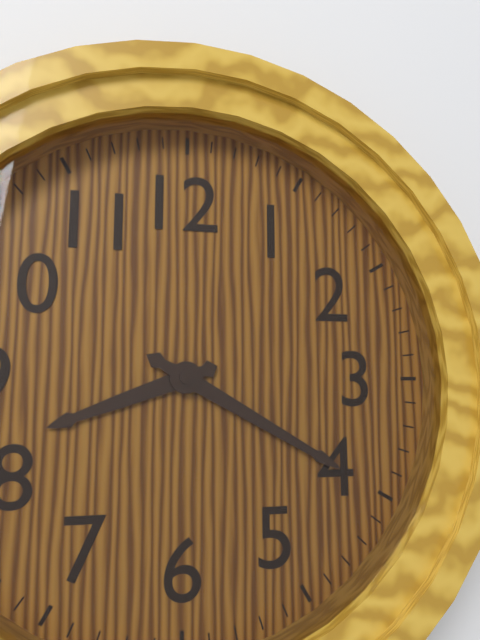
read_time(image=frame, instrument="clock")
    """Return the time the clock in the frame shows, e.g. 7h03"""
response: 8h20
